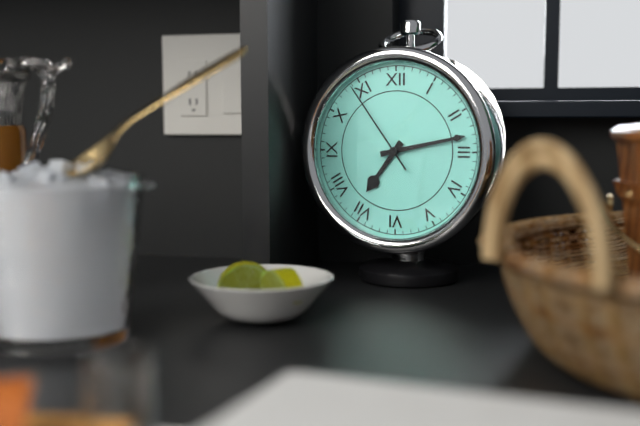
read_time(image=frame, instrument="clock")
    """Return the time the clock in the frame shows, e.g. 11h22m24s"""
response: 7h13m54s
